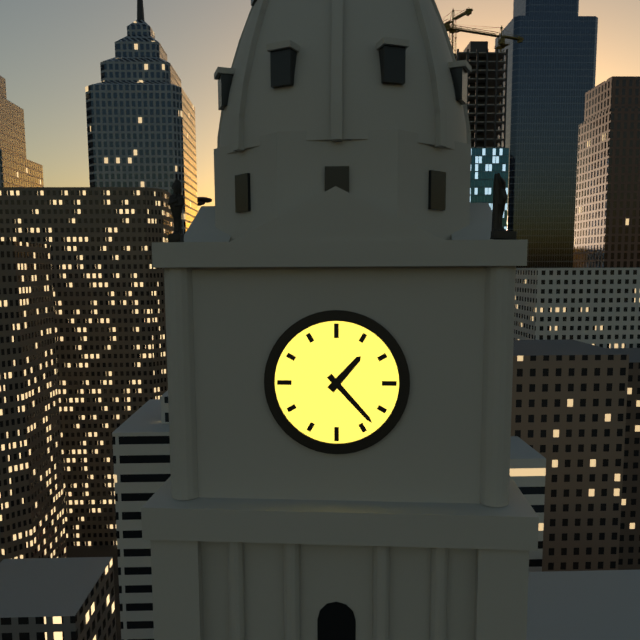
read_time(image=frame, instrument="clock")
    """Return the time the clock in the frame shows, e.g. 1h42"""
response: 1h23
